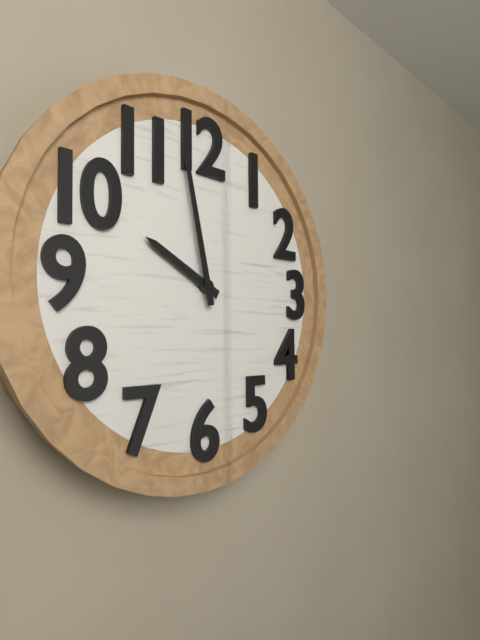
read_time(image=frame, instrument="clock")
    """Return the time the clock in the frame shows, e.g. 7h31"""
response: 9h58
